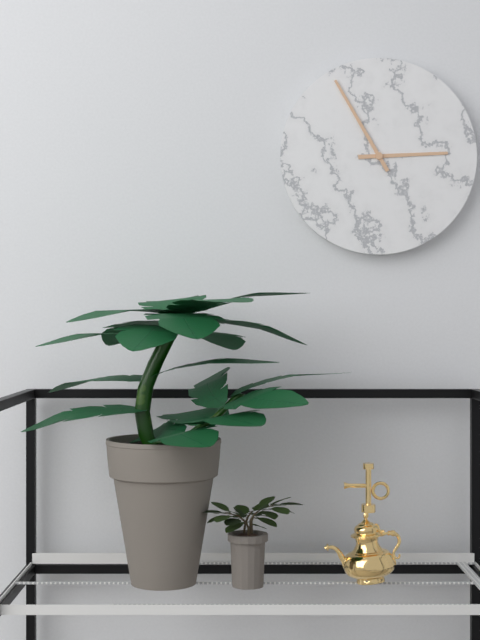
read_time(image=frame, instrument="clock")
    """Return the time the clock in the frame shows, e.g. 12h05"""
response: 2h55
